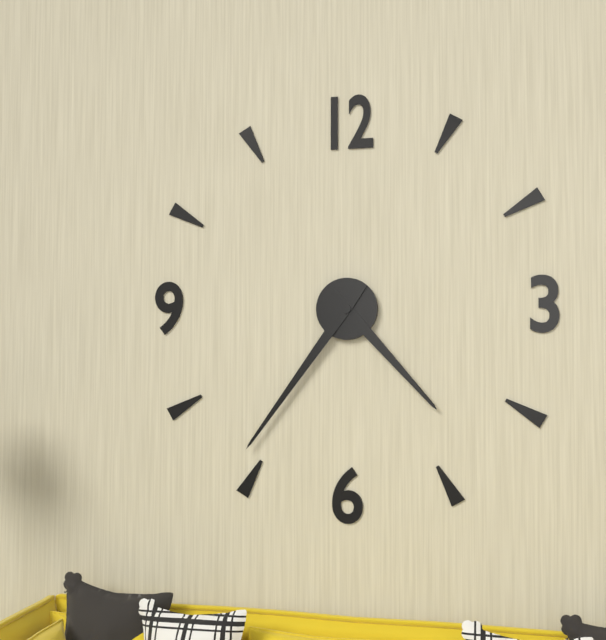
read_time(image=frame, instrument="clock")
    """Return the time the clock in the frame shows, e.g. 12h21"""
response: 4h36
